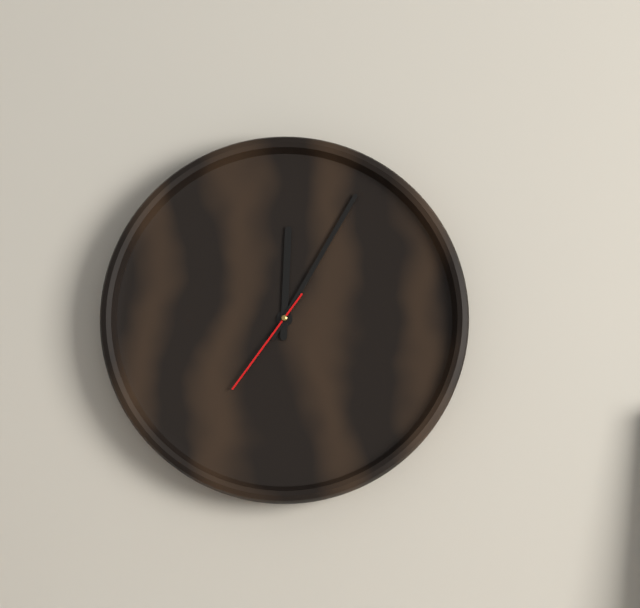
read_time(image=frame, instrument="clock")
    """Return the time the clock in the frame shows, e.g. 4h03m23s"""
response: 12h05m36s
